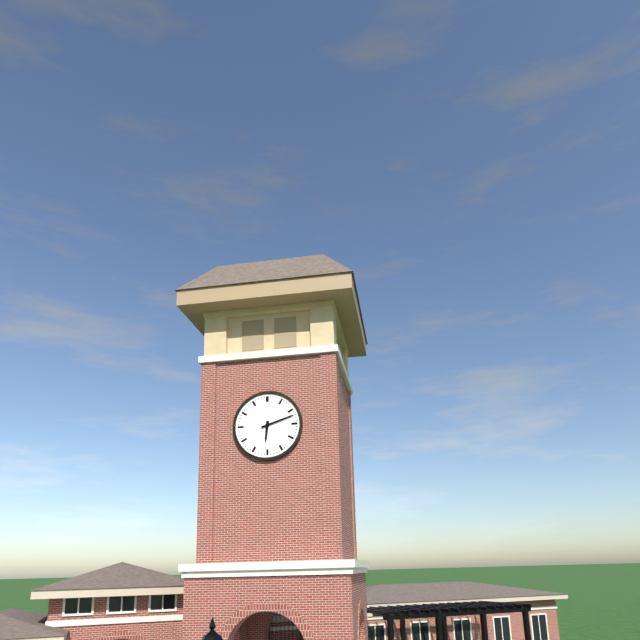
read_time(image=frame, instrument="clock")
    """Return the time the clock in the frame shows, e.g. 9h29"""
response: 6h12
